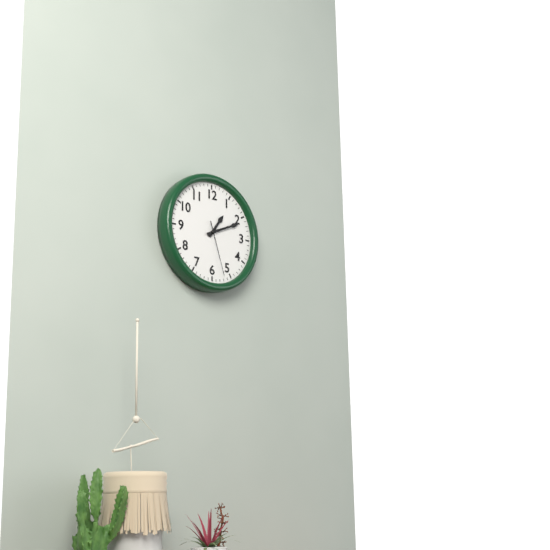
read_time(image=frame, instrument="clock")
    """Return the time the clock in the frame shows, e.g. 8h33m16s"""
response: 1h11m27s
